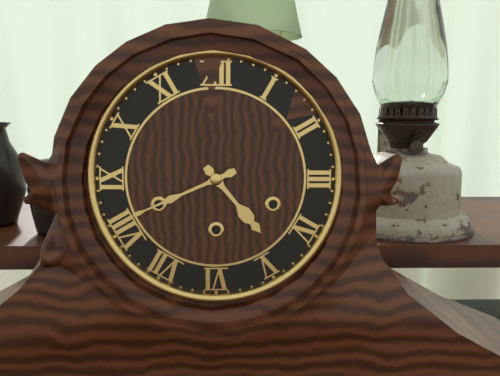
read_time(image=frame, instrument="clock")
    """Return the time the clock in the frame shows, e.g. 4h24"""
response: 4h41
